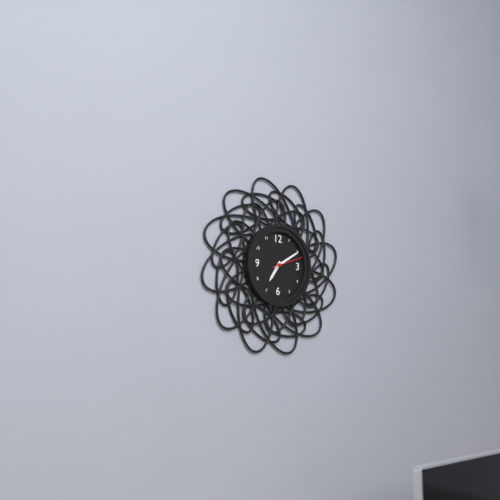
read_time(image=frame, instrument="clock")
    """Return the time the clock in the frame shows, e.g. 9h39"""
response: 7h10
